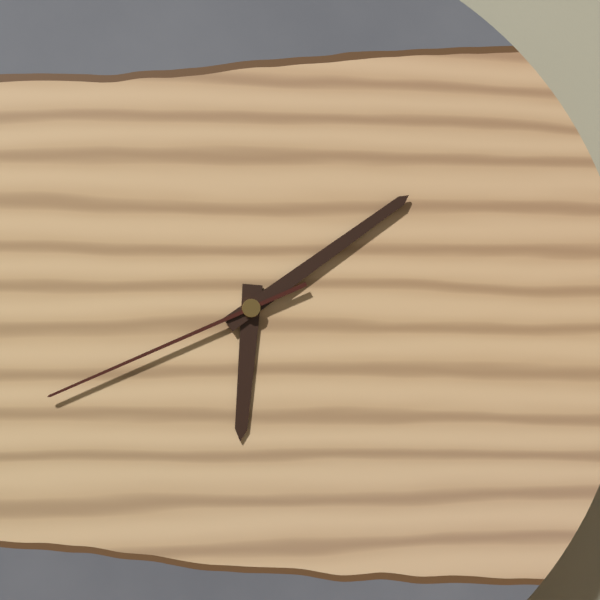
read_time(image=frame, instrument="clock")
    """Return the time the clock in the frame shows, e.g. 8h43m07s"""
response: 6h09m41s
